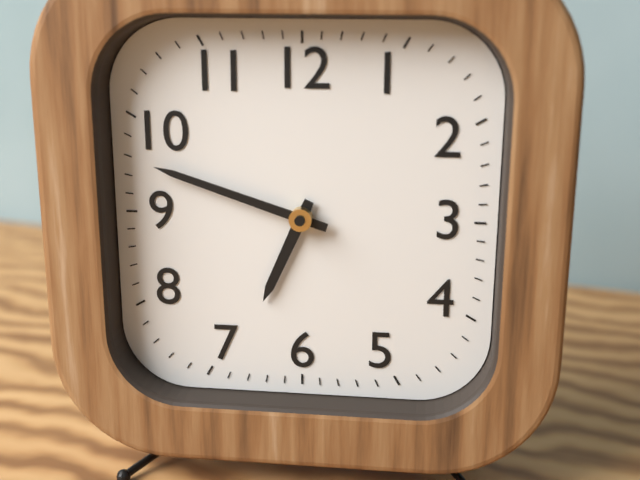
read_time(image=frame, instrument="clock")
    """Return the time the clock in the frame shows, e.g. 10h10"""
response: 6h48
